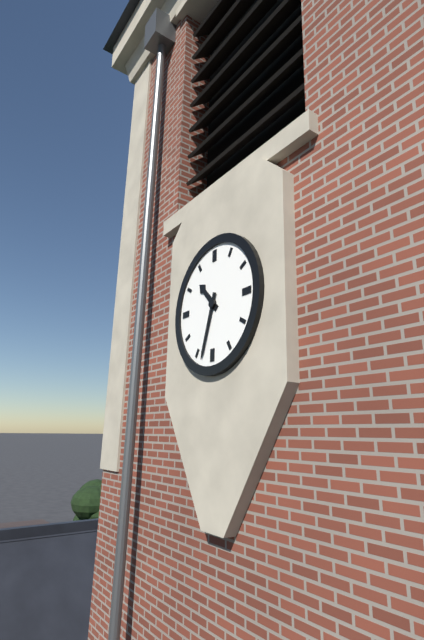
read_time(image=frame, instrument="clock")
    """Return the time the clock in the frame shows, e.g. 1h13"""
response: 10h33
